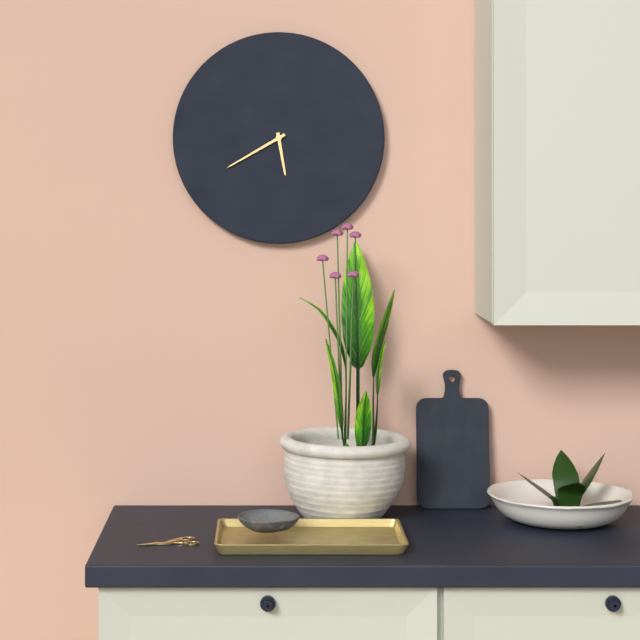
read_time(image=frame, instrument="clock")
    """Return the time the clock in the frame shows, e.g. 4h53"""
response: 5h40
